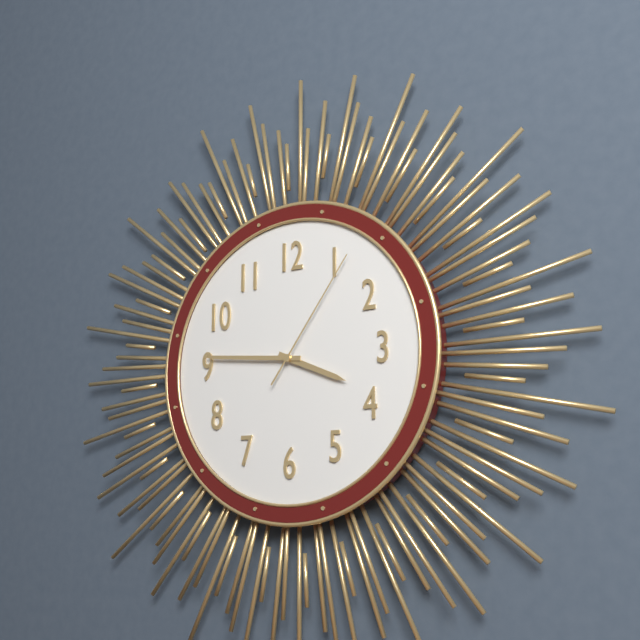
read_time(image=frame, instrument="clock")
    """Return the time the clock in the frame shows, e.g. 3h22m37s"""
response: 3h46m06s
